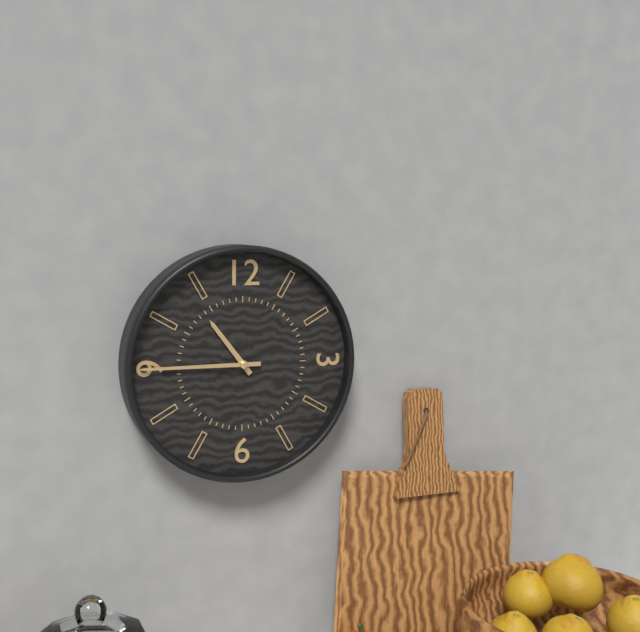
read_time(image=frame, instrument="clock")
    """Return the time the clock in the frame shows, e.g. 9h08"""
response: 10h45
